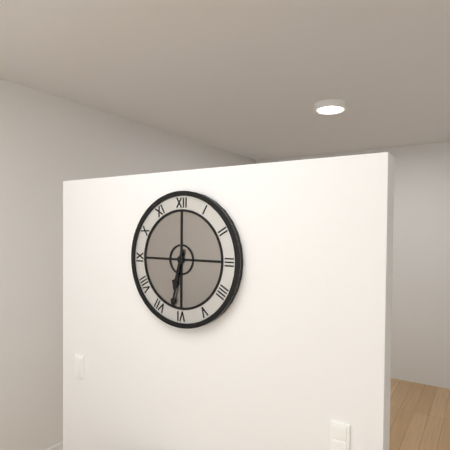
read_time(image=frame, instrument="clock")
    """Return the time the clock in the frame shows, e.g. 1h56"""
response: 6h32
